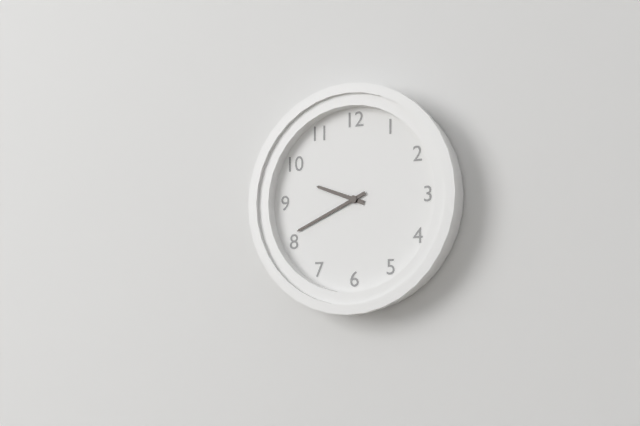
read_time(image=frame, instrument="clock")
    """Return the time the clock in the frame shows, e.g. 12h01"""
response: 9h41
